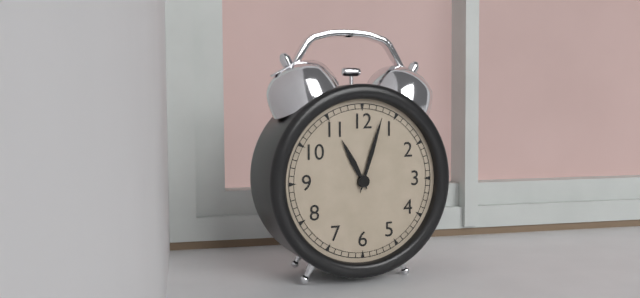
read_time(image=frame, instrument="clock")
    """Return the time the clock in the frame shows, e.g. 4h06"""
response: 11h03
